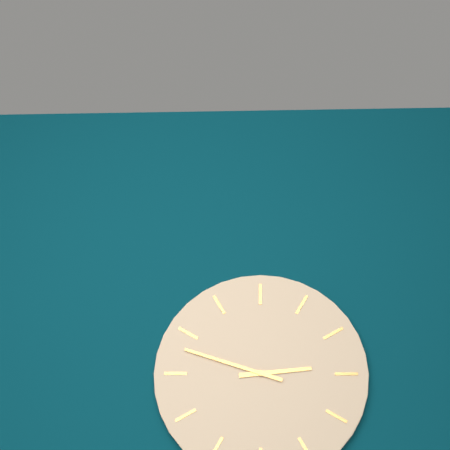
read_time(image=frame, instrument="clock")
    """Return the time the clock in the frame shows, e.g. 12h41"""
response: 2h48
